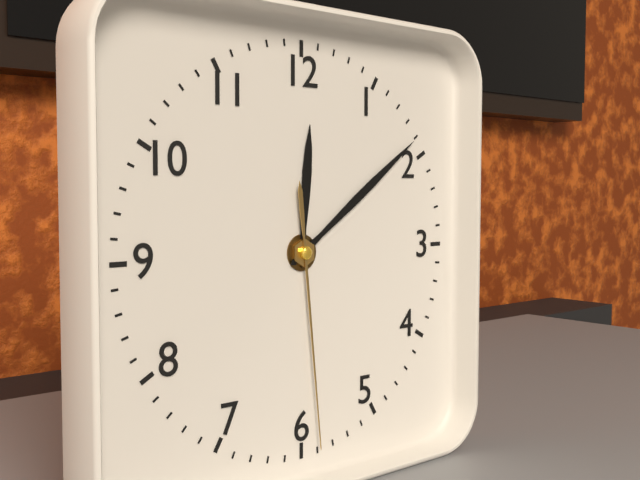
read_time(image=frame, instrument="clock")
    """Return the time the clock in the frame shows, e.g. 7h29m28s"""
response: 12h09m29s
